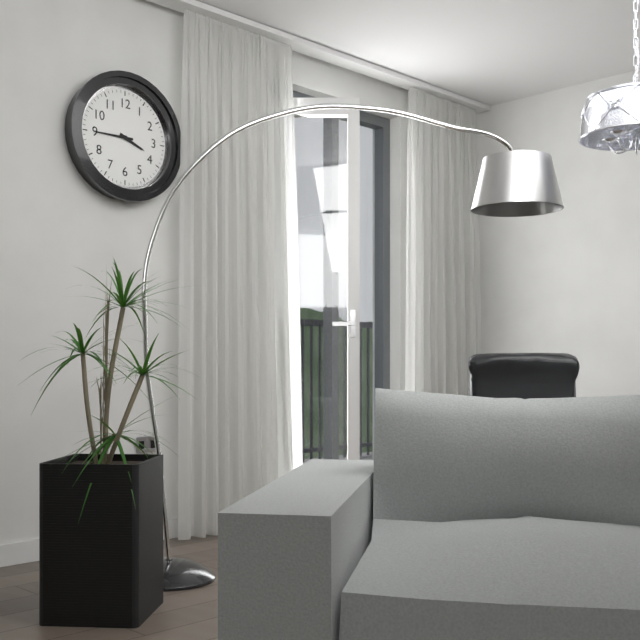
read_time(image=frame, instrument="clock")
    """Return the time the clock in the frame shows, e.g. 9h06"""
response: 3h45
